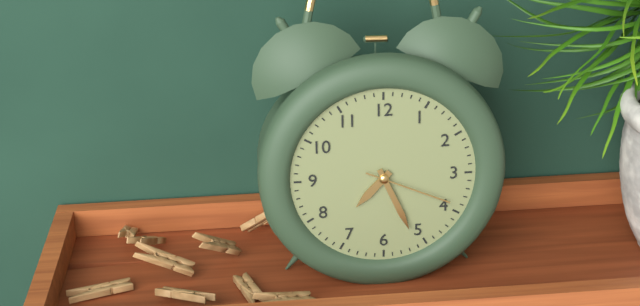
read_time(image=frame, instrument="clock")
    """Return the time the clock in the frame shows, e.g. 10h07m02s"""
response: 7h26m19s
